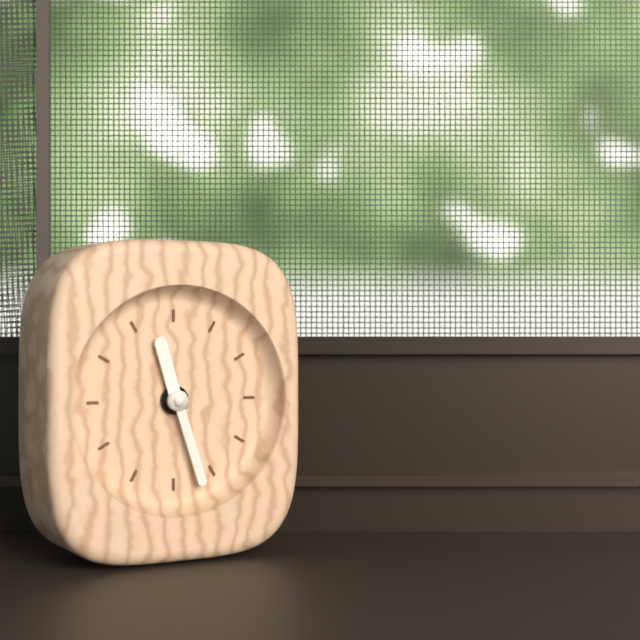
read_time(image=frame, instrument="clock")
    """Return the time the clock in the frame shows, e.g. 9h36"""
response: 11h27
